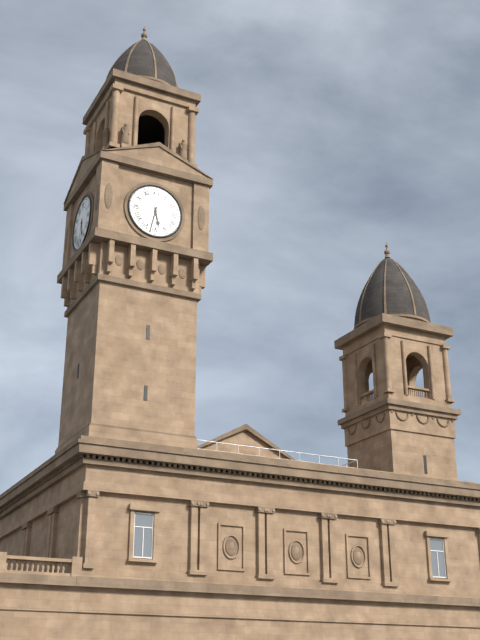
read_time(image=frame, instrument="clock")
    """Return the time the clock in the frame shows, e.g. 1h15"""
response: 5h32
